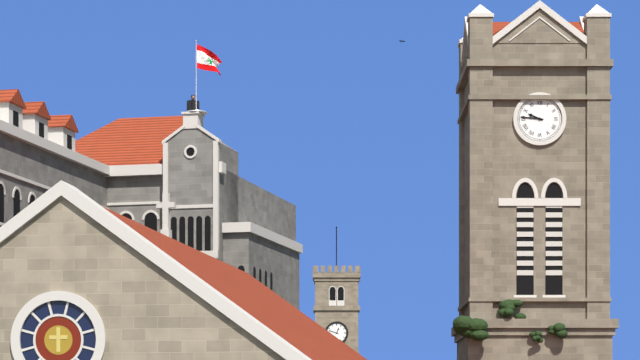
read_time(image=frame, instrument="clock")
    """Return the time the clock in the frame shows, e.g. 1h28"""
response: 9h46
